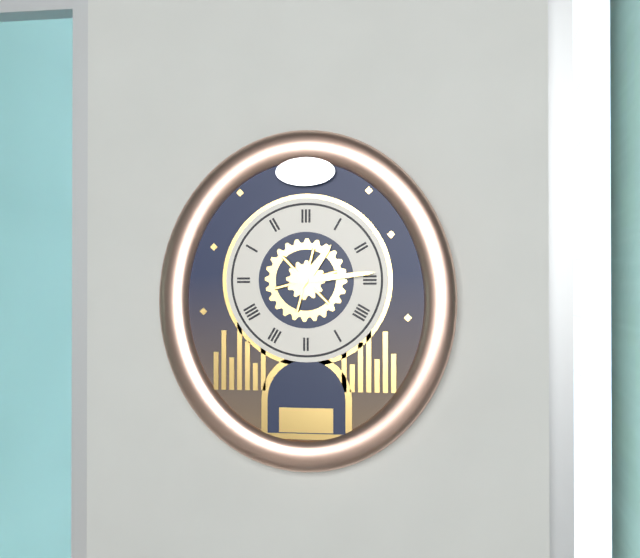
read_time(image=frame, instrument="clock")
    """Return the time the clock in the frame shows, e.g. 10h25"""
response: 1h14
